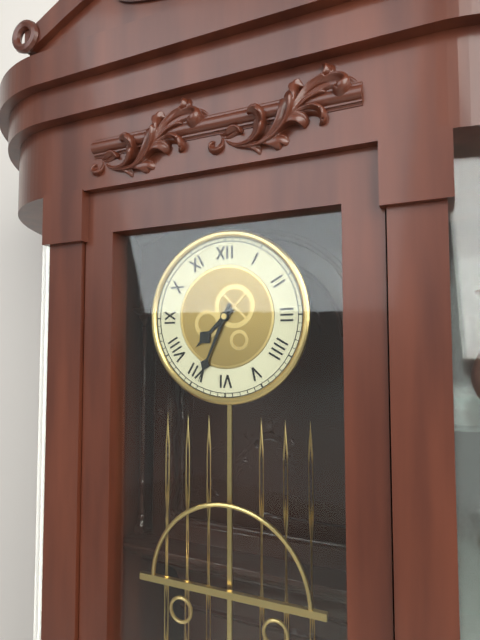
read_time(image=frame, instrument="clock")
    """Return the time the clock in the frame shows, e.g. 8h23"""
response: 7h34
